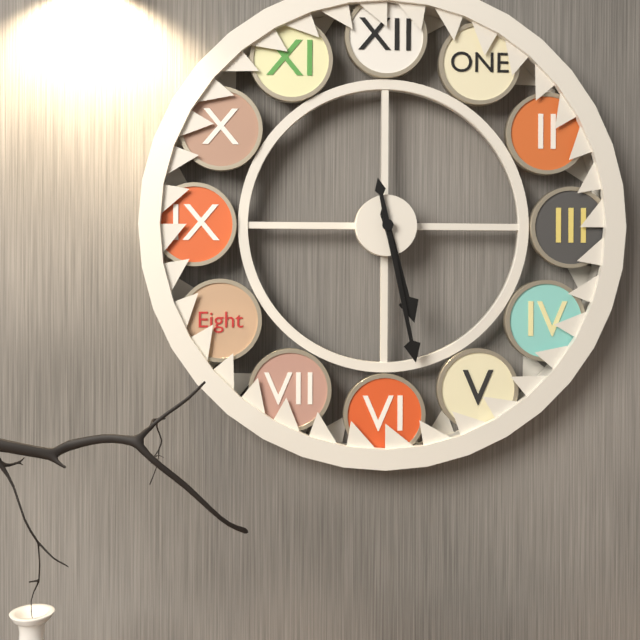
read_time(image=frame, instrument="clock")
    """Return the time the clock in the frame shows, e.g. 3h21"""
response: 5h28
